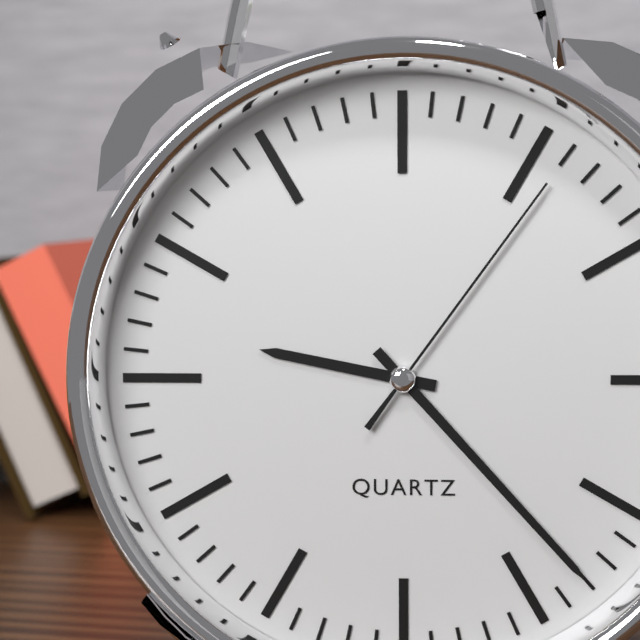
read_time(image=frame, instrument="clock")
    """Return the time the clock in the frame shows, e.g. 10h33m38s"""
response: 9h23m06s
